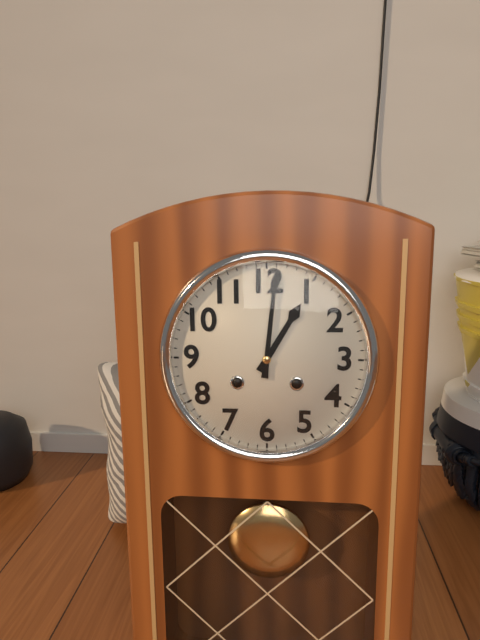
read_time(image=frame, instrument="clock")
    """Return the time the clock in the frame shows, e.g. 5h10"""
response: 1h01
